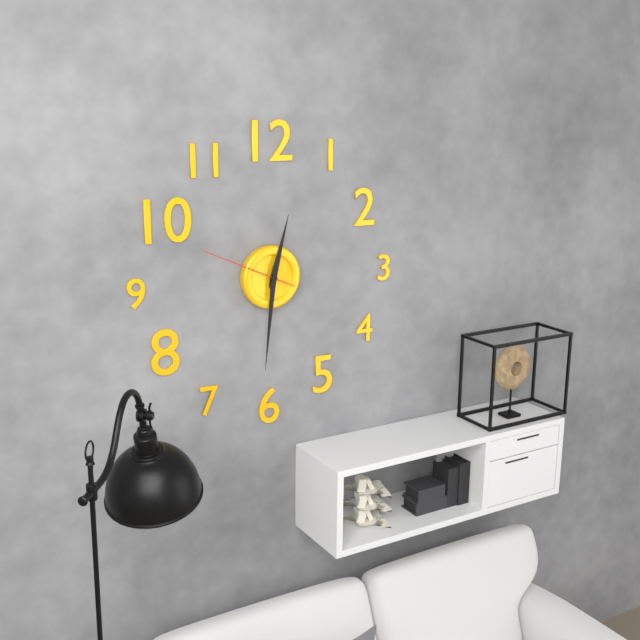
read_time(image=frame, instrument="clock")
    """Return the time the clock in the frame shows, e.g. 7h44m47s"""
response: 12h31m49s
